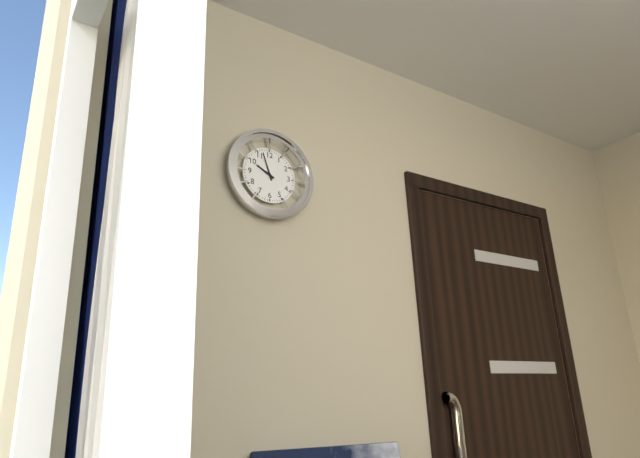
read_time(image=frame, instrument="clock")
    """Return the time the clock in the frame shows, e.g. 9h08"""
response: 9h57
